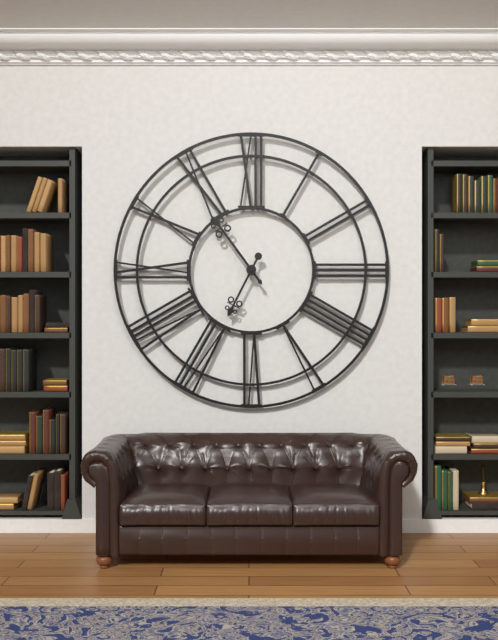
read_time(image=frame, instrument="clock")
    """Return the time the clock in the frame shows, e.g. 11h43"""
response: 6h54
